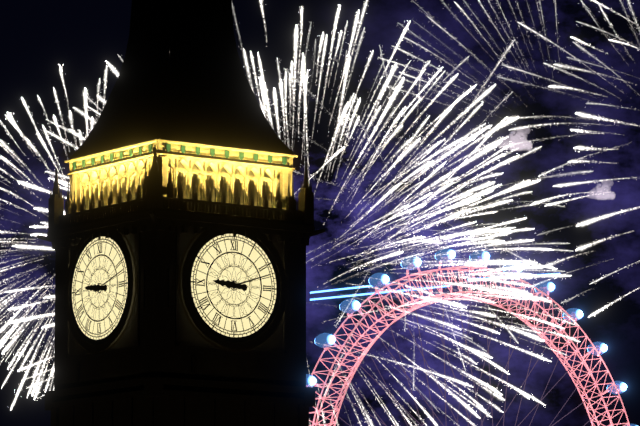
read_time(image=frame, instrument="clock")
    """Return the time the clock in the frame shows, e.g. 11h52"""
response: 9h12
